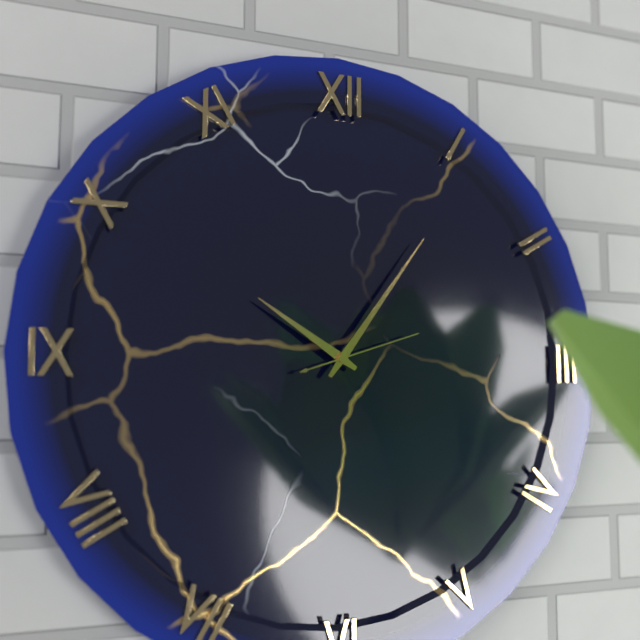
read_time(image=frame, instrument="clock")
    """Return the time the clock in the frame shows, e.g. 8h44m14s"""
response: 10h06m12s
